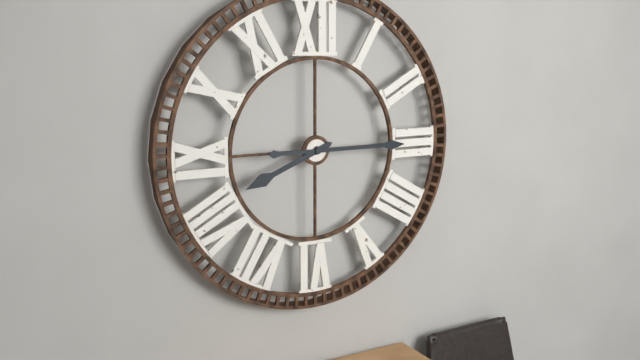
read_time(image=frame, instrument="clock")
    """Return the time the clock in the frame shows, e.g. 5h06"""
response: 8h15
